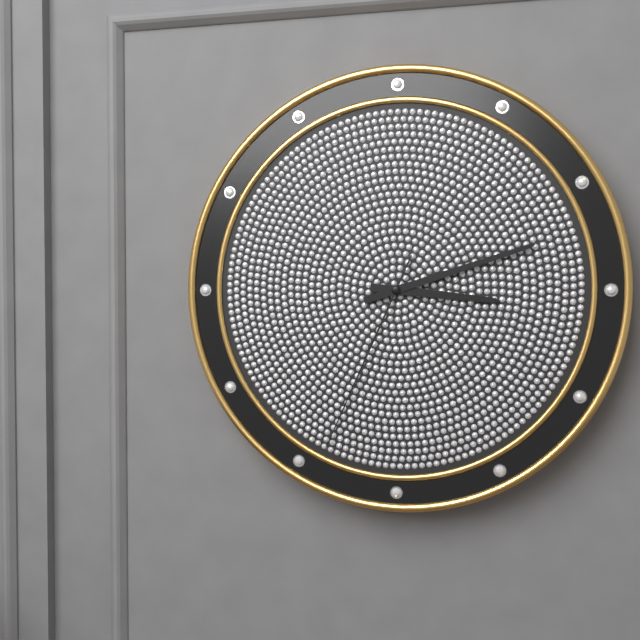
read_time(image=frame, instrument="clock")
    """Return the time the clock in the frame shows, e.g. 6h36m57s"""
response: 3h12m34s
